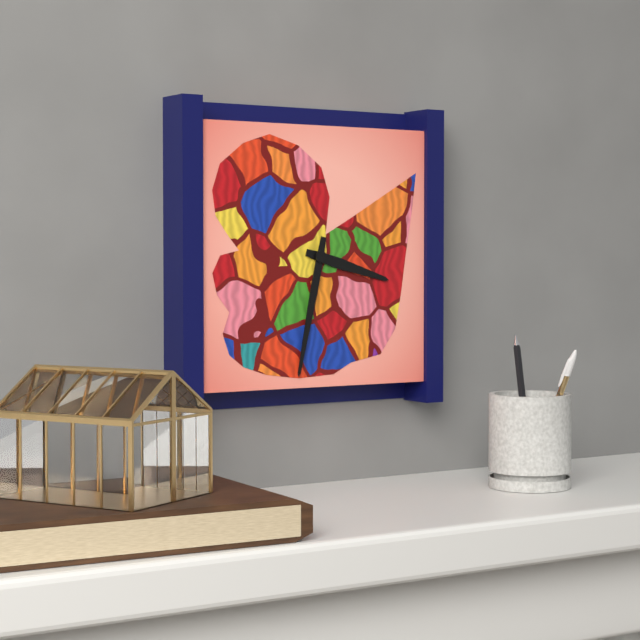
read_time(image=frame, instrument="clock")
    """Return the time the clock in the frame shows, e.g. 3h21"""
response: 3h32
